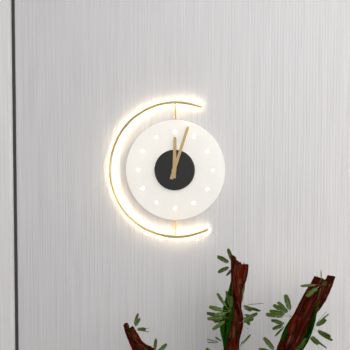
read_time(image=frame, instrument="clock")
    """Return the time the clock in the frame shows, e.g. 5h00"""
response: 12h03
